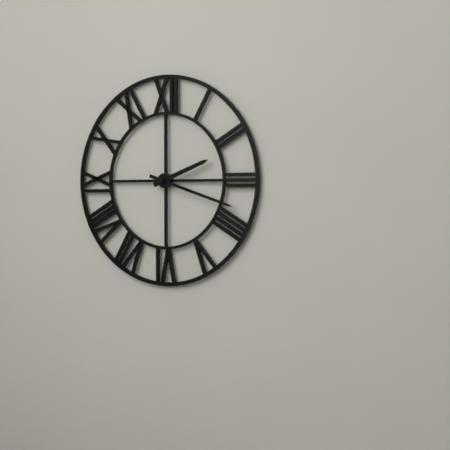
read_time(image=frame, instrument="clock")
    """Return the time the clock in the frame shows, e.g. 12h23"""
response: 2h18
